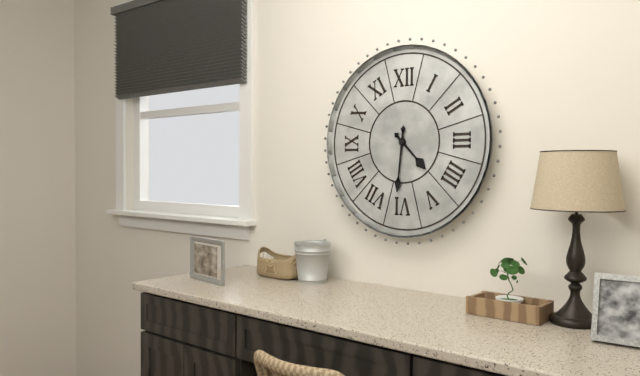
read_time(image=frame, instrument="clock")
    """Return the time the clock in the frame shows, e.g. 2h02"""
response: 4h31
